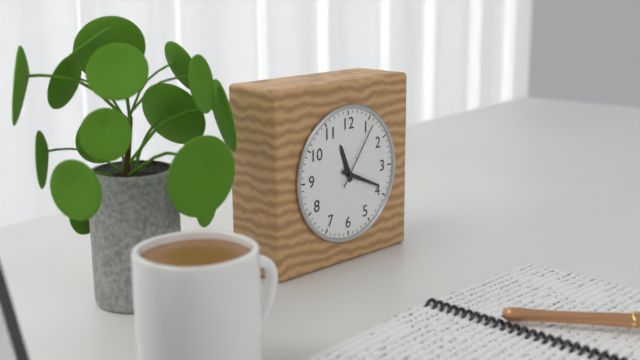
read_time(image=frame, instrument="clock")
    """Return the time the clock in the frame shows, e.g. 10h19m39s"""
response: 11h19m06s
